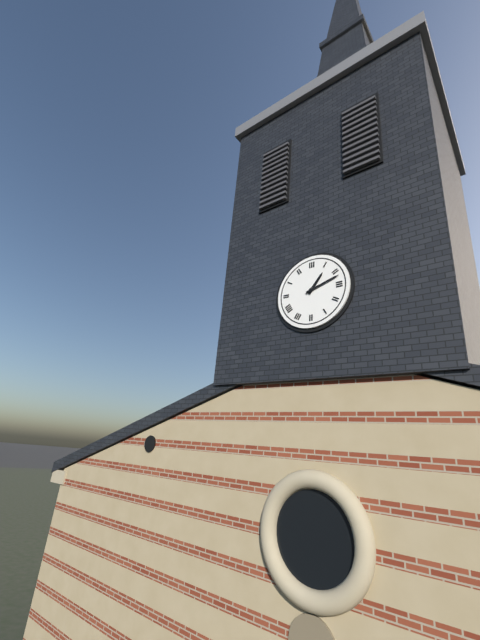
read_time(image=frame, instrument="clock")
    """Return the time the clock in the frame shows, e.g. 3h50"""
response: 1h12
